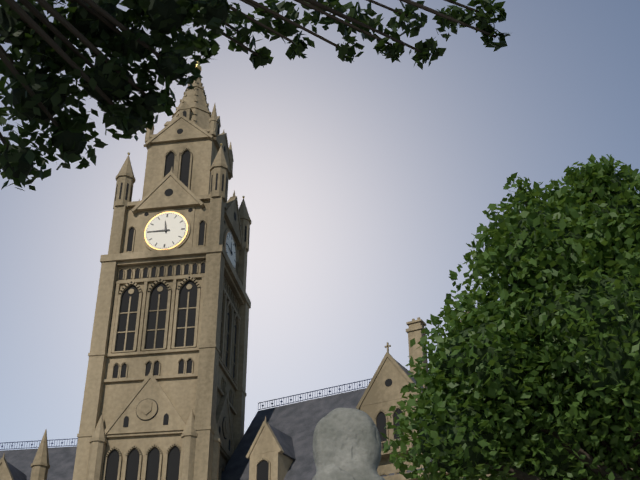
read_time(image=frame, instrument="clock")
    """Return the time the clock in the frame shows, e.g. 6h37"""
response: 11h45
